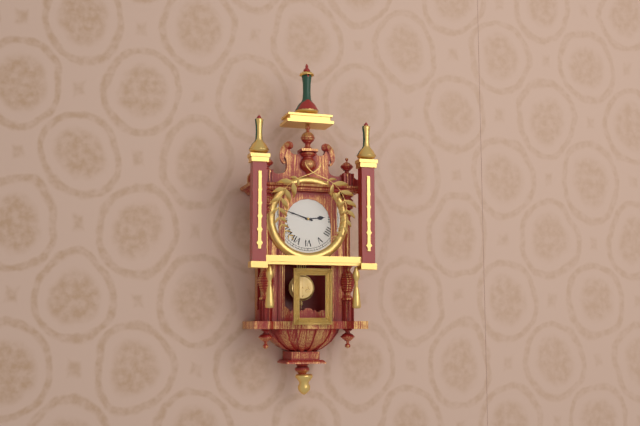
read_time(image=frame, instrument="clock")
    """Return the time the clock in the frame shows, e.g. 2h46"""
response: 2h48
